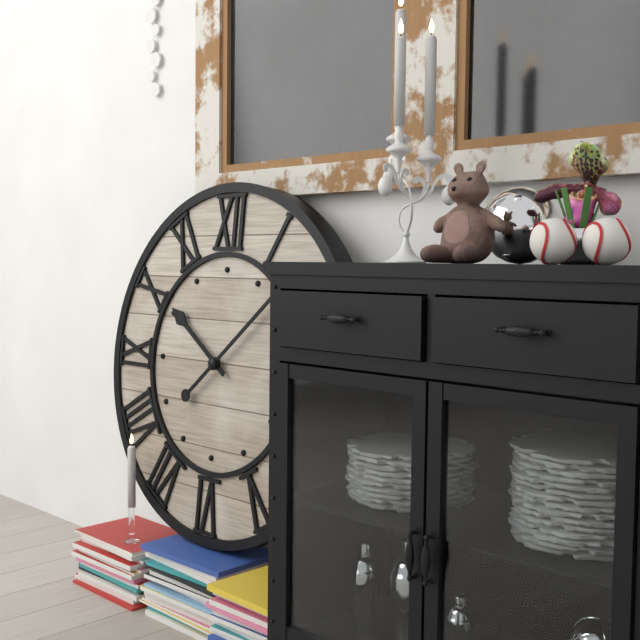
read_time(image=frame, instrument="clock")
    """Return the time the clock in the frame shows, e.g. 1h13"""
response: 10h08
